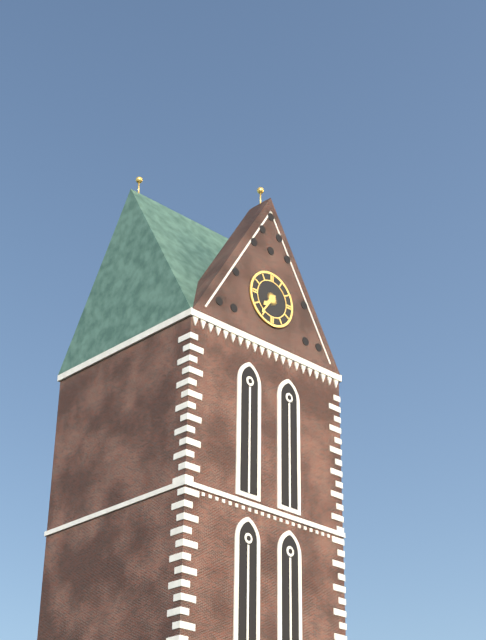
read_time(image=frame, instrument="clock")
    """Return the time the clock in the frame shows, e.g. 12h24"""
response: 7h36
